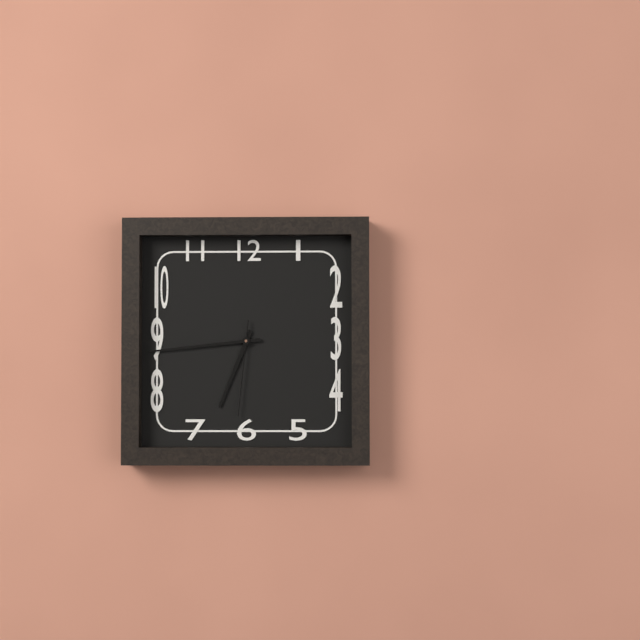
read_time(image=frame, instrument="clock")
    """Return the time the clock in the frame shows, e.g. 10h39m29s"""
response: 6h44m31s
